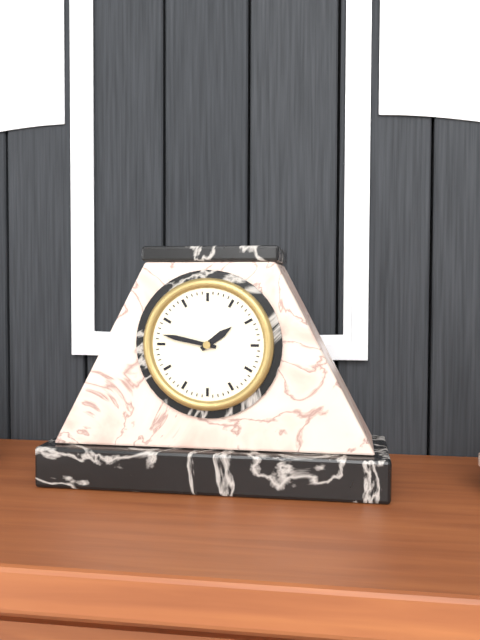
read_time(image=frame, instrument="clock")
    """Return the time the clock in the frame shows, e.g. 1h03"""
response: 1h47
